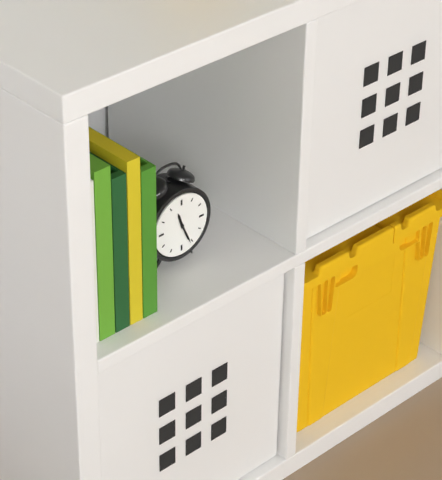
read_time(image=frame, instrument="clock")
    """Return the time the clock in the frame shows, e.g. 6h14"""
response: 11h26
